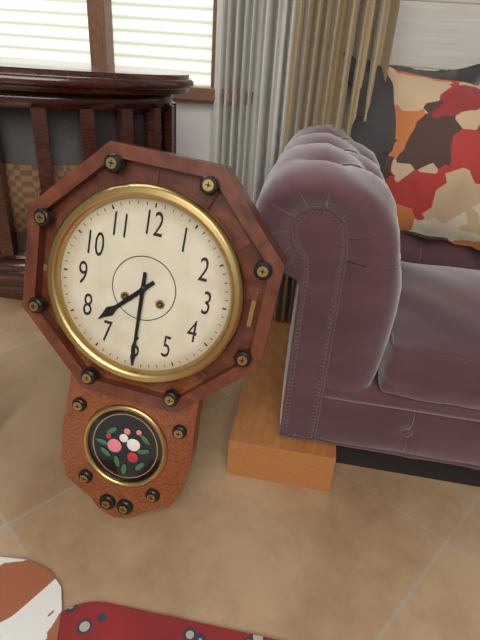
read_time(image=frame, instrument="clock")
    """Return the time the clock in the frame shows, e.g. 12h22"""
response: 7h30
